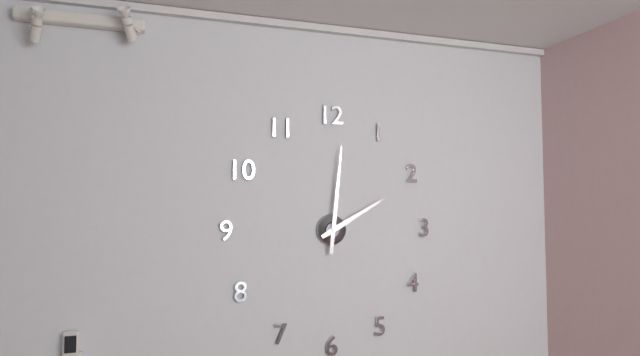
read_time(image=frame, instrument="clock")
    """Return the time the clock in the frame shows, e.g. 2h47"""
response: 2h01
